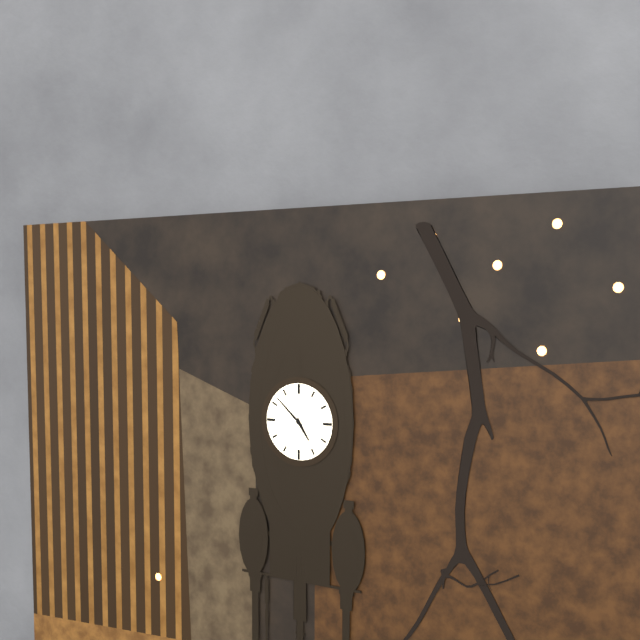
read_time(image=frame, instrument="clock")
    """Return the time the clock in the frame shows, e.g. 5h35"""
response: 4h52
